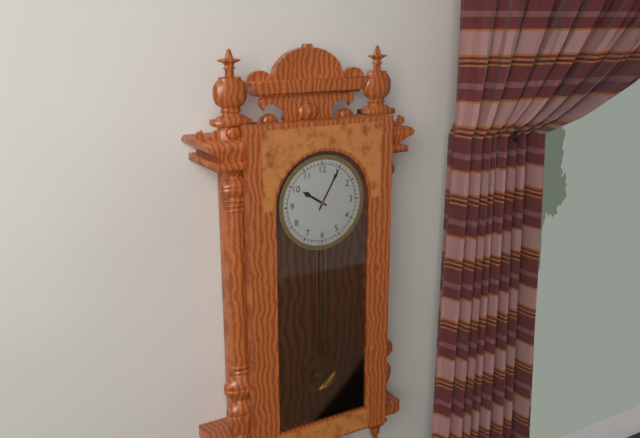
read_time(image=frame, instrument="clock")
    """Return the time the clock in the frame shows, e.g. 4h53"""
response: 10h05
